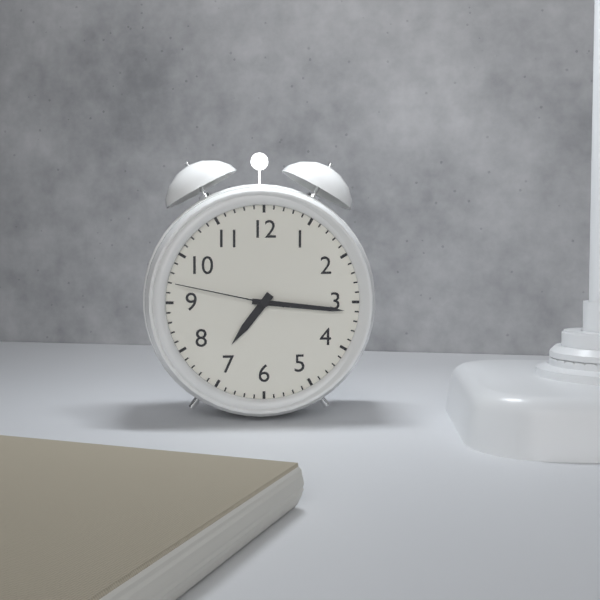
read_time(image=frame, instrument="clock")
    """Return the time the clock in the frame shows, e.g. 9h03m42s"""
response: 7h16m47s
